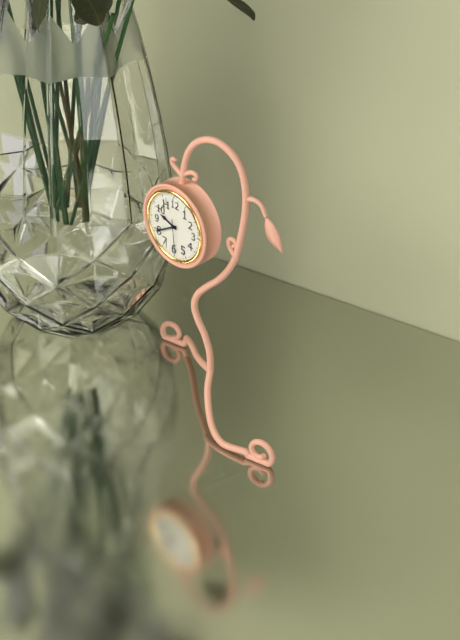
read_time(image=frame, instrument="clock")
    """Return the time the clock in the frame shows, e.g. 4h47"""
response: 9h40
